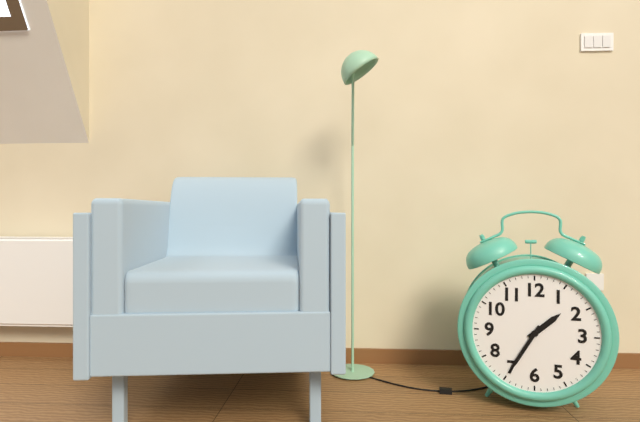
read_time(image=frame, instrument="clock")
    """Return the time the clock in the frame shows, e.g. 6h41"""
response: 1h35
